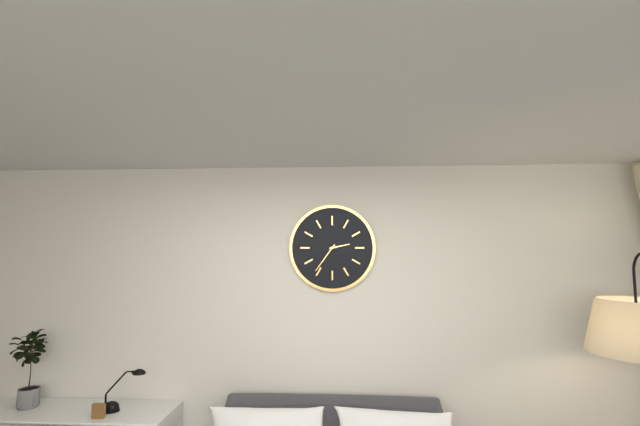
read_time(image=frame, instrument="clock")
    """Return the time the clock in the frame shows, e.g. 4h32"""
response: 2h36
